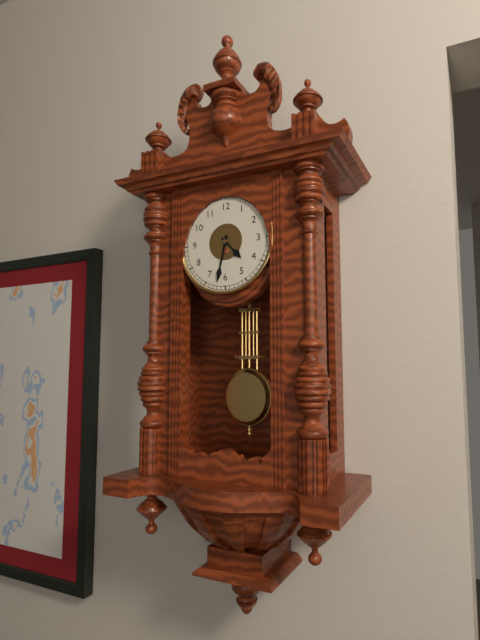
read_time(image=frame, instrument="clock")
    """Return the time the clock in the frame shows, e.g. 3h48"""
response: 4h32
